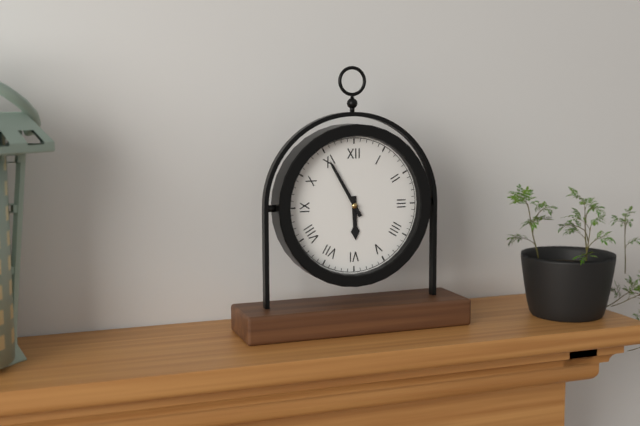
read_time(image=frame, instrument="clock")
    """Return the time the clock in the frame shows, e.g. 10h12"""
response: 5h55
